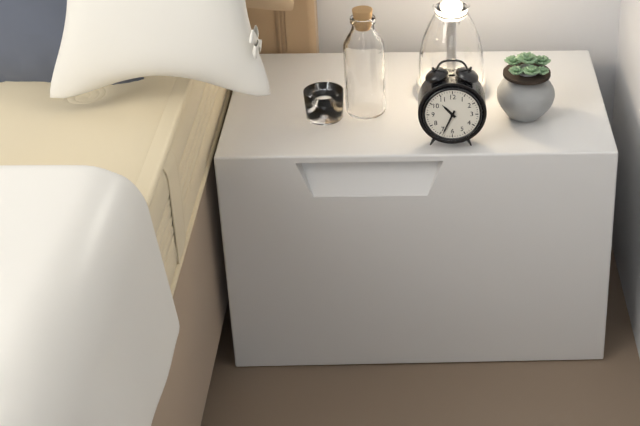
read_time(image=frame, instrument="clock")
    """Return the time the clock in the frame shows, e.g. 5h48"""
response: 10h34
